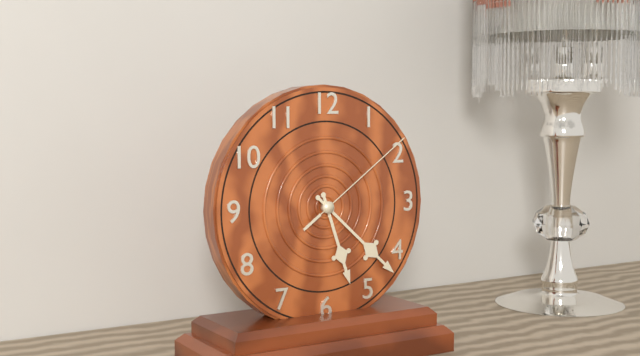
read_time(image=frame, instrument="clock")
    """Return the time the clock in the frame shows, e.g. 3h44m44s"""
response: 5h22m09s
